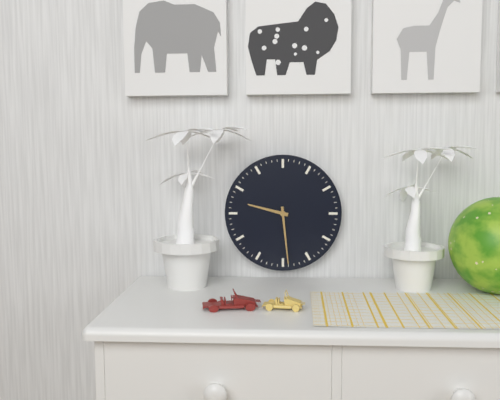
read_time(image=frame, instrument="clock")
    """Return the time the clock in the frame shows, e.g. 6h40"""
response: 9h29
